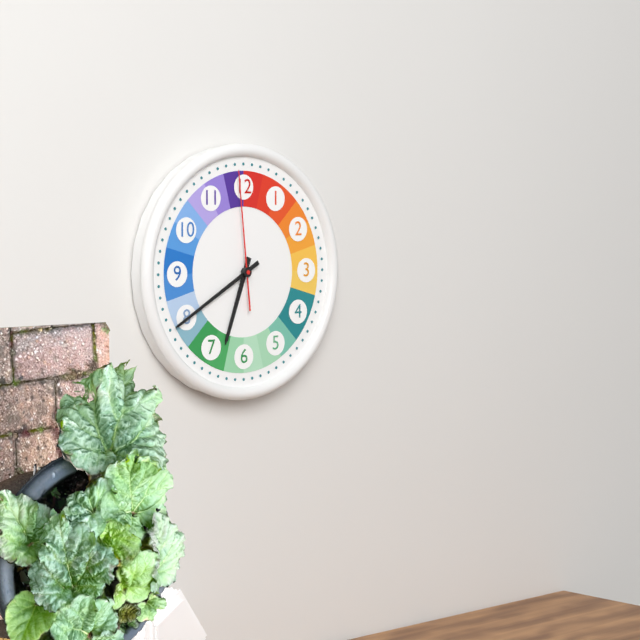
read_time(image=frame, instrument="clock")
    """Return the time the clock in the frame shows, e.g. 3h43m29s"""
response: 6h40m59s
